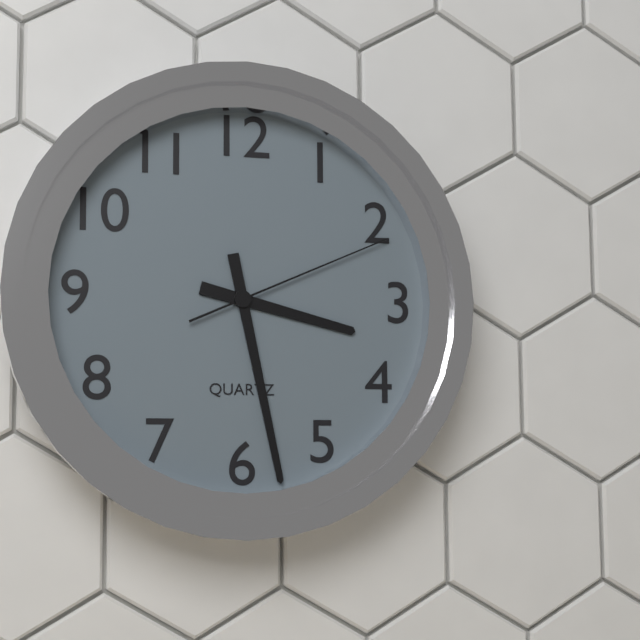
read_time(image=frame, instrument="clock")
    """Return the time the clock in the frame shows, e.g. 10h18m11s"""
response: 3h28m11s
